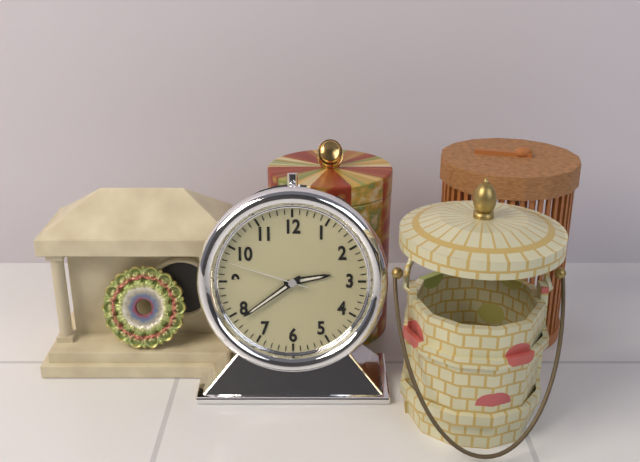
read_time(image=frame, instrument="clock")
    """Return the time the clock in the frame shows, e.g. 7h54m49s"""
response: 2h39m48s
